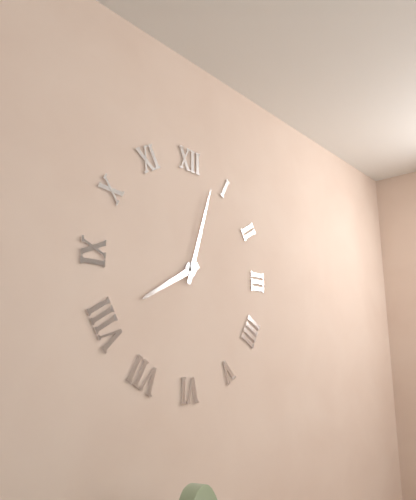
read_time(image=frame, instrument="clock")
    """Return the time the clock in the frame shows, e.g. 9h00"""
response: 8h03
